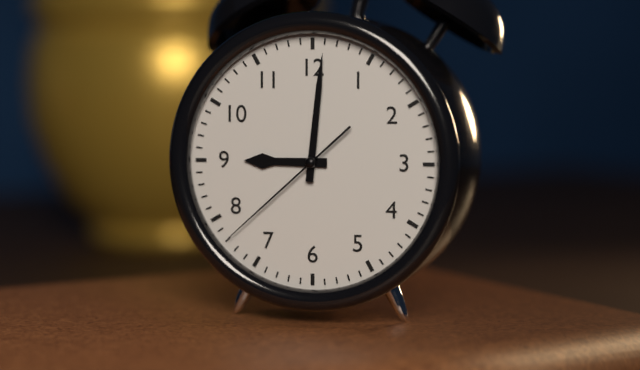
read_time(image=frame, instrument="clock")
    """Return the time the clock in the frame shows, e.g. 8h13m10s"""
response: 9h01m38s
